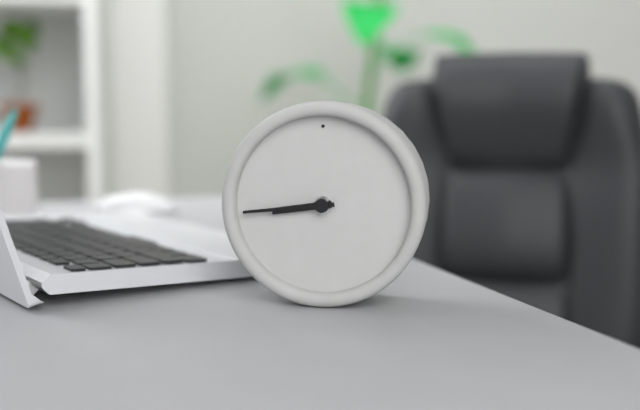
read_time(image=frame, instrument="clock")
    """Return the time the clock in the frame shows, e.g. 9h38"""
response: 8h44
